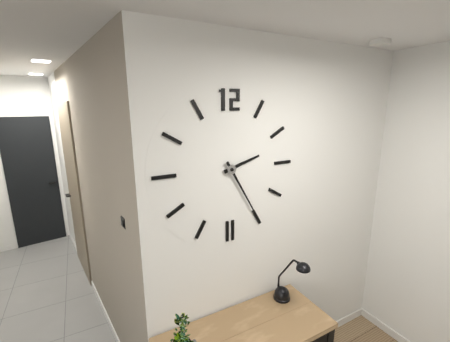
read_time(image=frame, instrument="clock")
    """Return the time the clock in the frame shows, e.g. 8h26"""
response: 2h25
